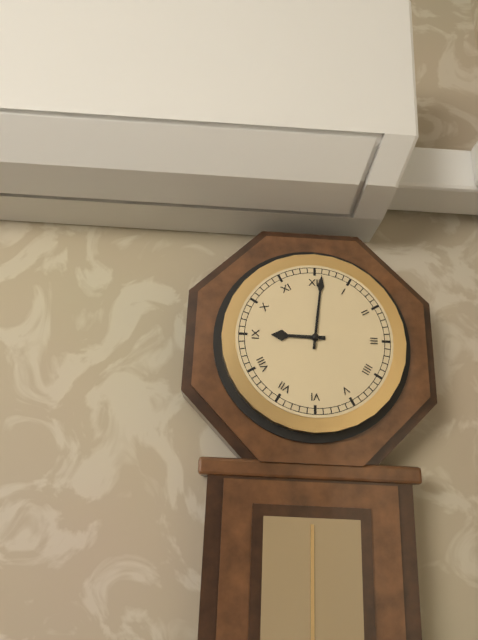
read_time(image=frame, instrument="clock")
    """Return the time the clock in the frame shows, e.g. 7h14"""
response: 9h01
